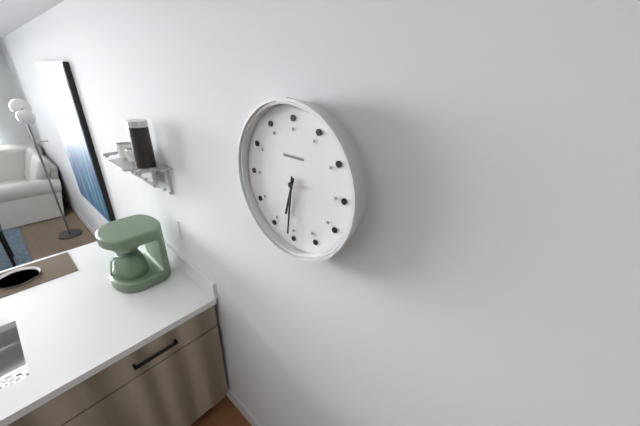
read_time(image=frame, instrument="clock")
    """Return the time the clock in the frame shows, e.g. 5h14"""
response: 6h31
